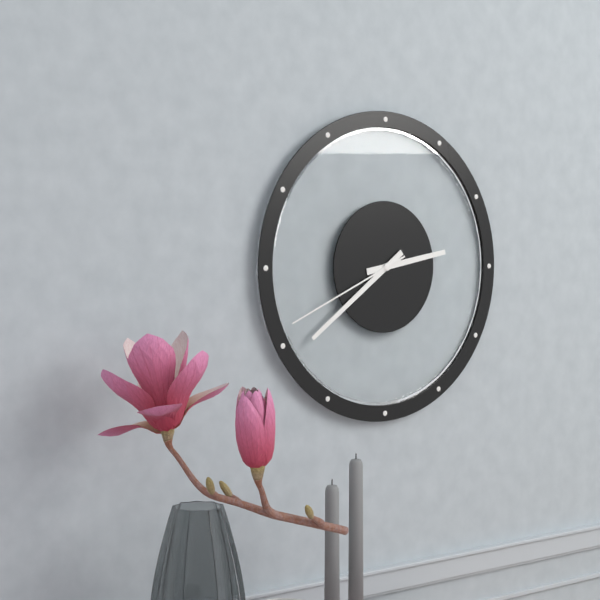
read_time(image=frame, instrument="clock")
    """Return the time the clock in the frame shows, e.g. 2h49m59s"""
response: 2h39m41s
